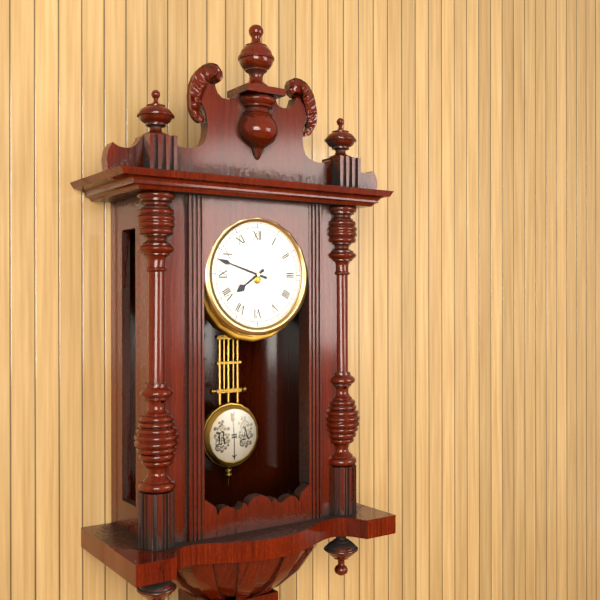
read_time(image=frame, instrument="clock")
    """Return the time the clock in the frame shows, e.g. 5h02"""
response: 7h48
